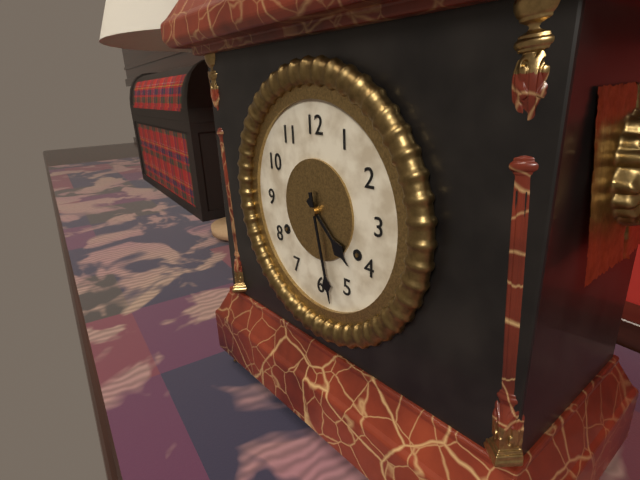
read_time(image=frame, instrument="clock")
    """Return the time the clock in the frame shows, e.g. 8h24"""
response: 4h28
